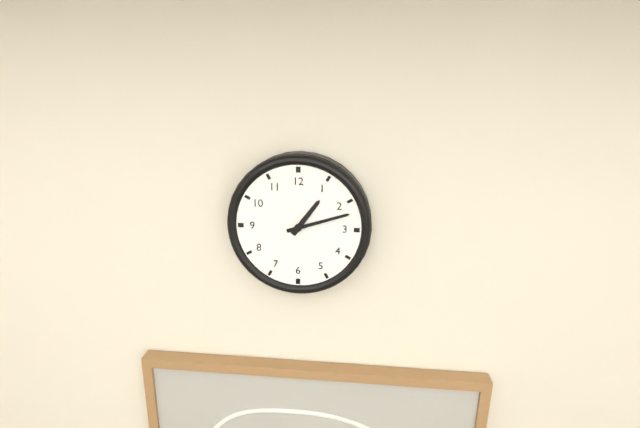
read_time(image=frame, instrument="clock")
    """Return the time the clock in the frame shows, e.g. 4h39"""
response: 1h12
